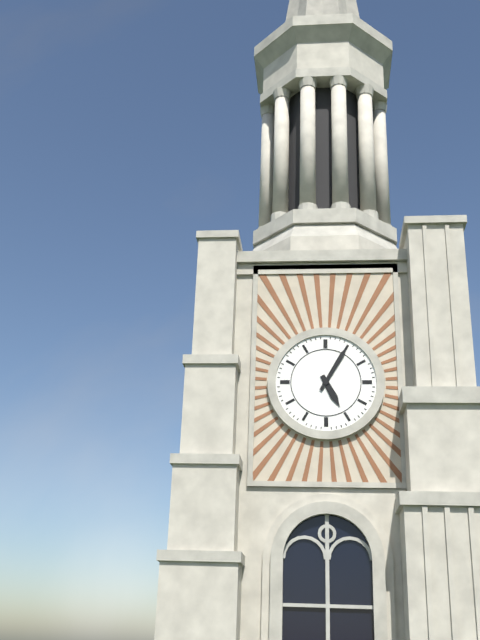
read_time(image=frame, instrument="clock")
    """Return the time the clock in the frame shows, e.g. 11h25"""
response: 5h05
